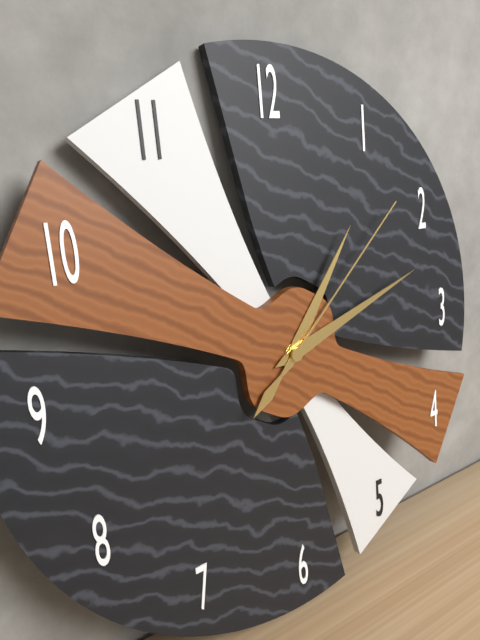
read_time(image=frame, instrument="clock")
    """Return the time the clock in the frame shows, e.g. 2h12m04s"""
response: 1h12m08s
